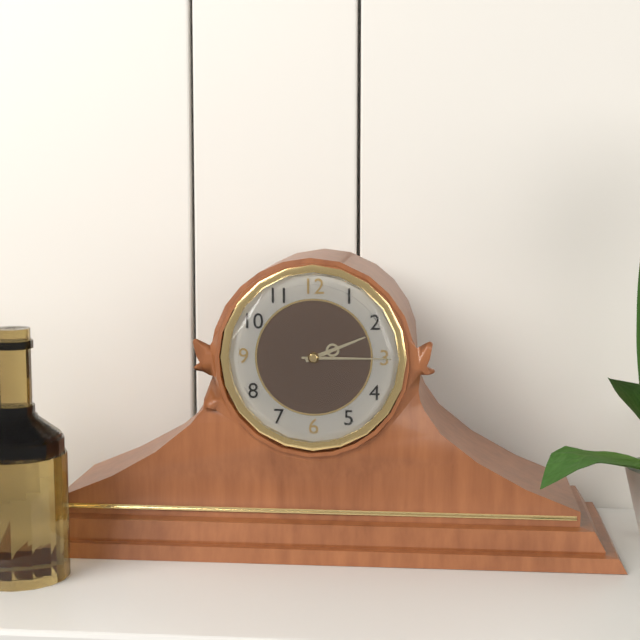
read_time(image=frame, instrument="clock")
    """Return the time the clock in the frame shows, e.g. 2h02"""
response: 2h15
